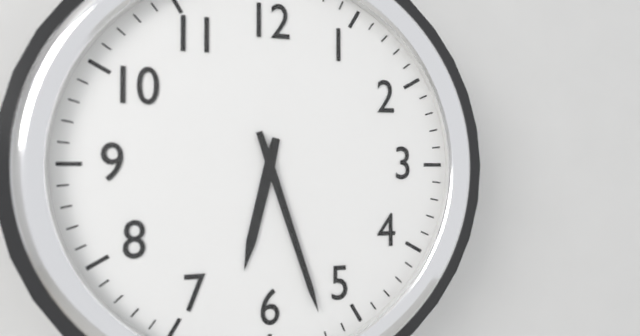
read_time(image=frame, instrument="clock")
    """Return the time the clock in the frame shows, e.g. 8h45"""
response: 6h27
